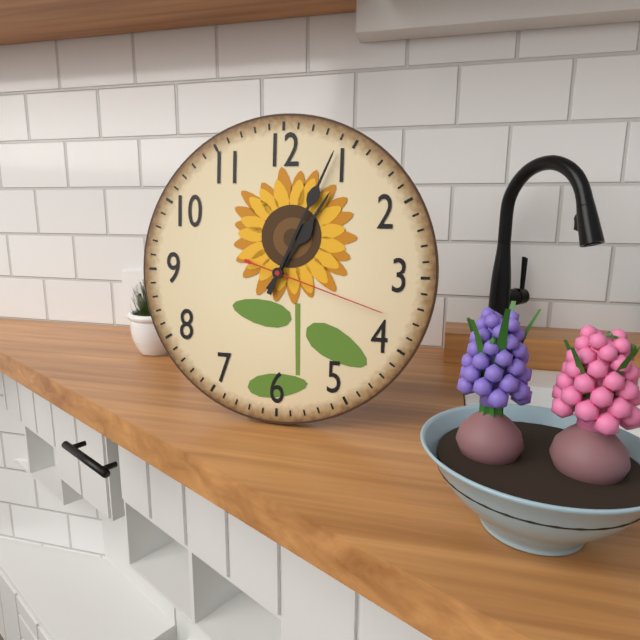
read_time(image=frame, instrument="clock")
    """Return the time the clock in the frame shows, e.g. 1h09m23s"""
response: 1h04m18s
